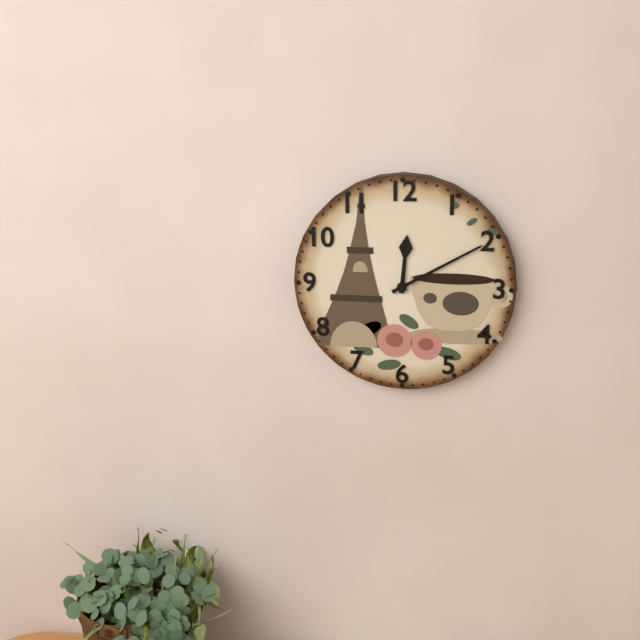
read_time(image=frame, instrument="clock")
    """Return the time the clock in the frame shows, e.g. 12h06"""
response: 12h10
